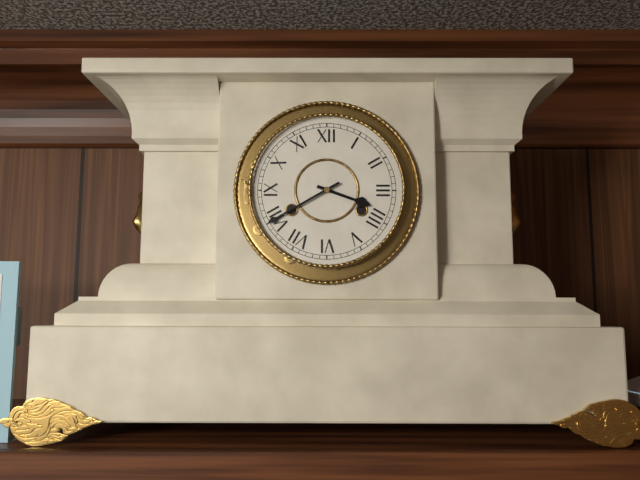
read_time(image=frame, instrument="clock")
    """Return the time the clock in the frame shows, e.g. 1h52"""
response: 3h40
